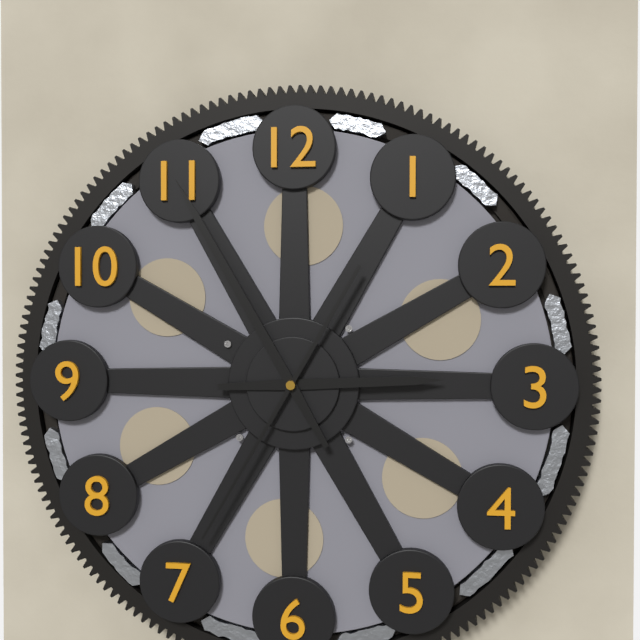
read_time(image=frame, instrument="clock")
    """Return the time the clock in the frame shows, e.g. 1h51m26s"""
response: 2h55m35s
